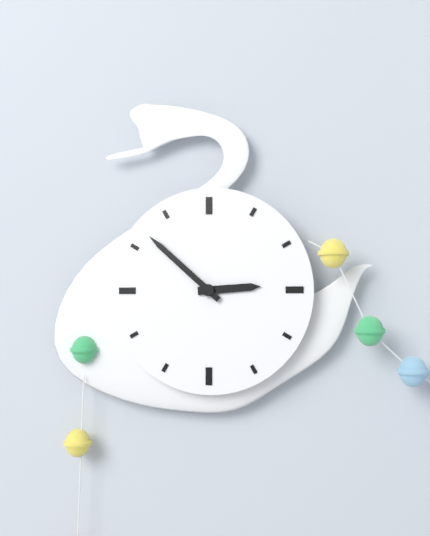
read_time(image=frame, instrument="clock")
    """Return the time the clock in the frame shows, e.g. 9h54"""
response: 2h52
